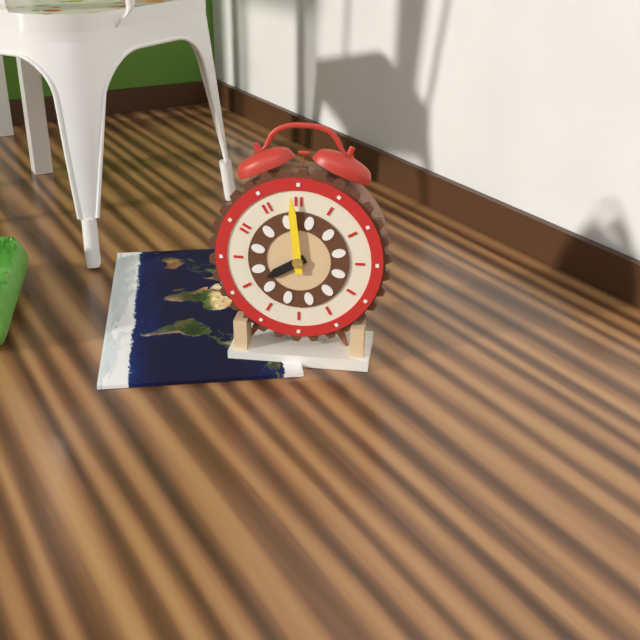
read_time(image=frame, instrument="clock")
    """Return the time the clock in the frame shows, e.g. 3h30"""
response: 7h59
